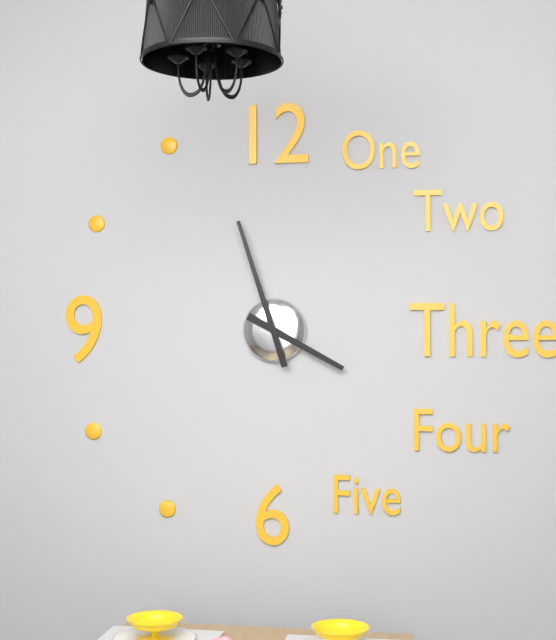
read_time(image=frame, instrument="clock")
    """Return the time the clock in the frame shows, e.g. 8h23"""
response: 3h57
